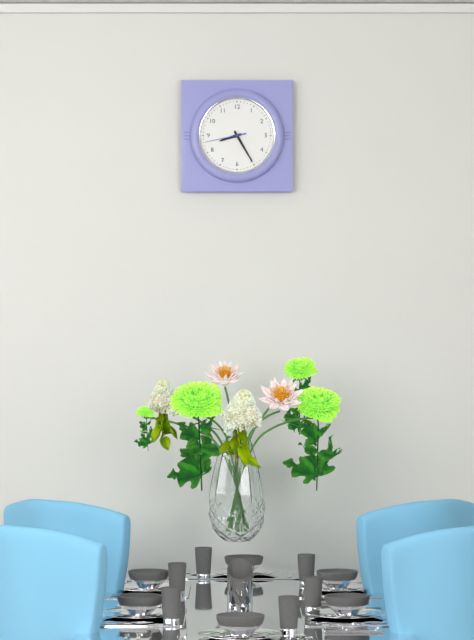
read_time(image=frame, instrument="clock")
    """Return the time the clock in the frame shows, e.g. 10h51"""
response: 8h25
